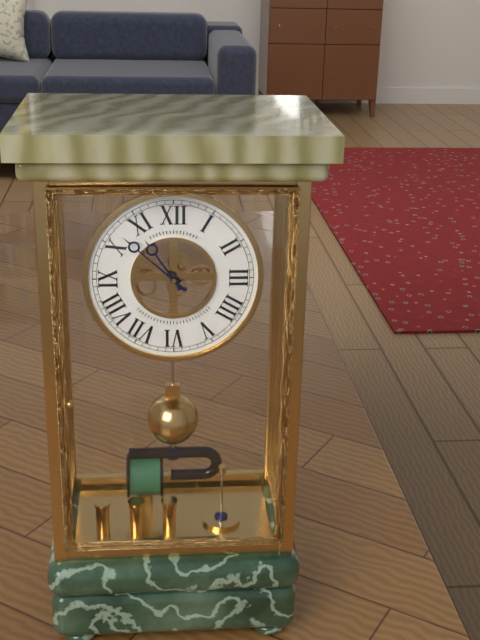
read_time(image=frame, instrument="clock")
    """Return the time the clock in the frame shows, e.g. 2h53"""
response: 10h52
